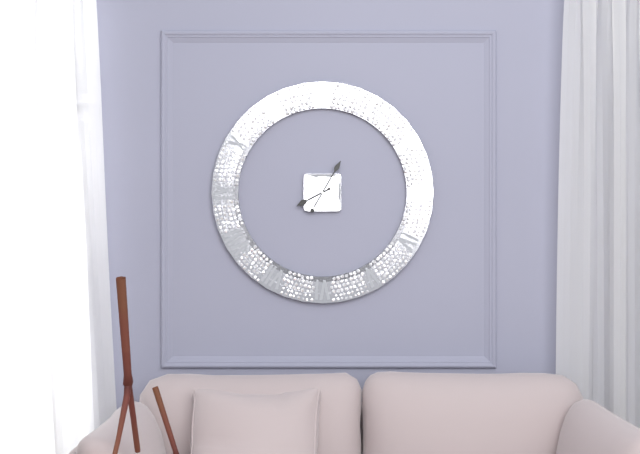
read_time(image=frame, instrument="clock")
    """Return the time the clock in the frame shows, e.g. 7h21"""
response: 8h05
